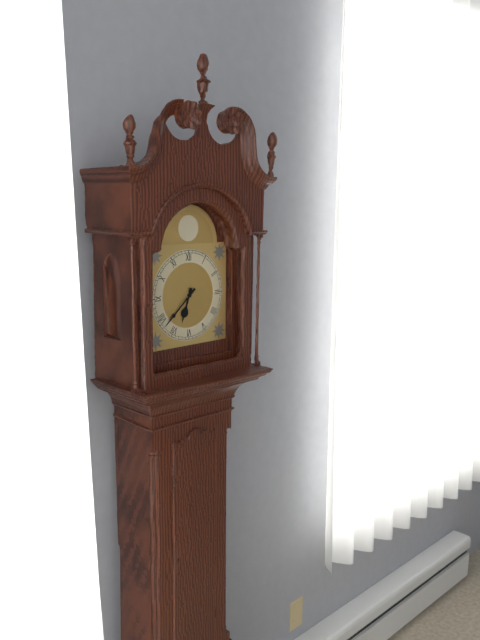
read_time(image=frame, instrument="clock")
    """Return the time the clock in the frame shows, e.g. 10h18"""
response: 6h38
